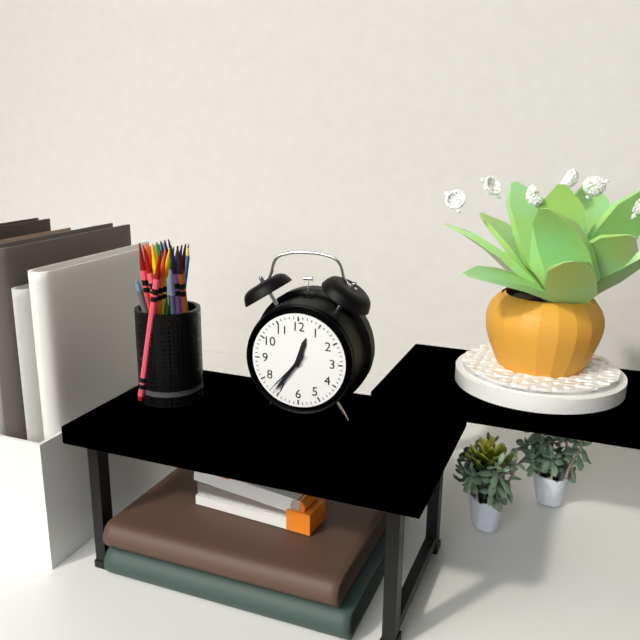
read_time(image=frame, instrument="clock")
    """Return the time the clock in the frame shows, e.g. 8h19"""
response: 12h36
